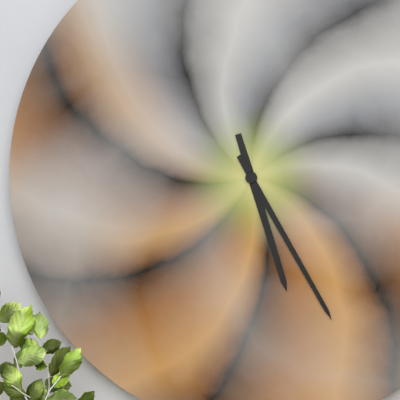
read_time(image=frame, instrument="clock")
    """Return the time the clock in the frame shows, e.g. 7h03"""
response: 5h25
